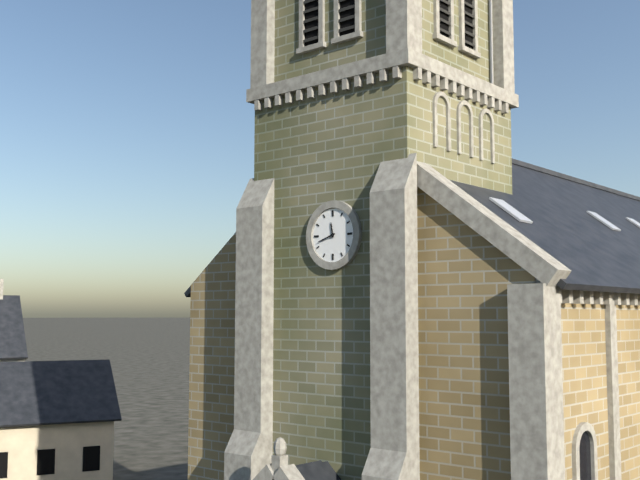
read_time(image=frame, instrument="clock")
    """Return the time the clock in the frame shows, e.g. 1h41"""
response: 11h42
